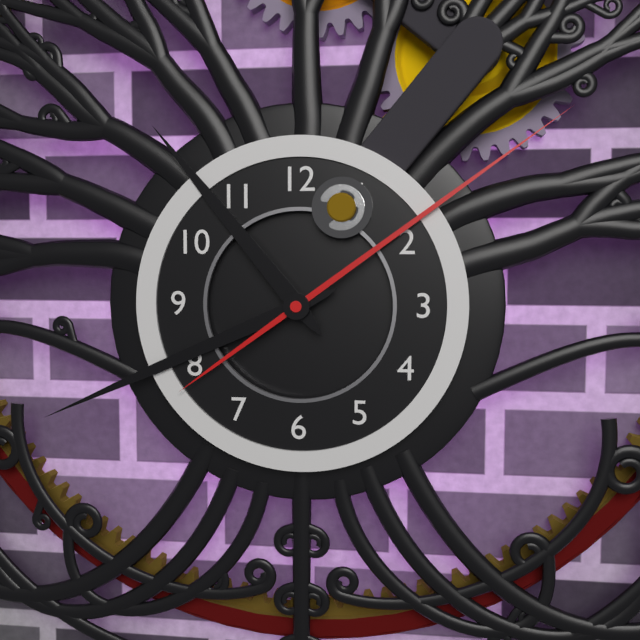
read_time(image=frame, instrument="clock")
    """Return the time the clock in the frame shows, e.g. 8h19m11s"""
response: 10h41m09s
